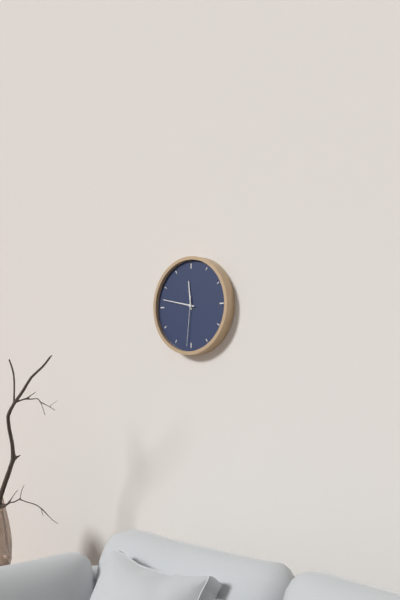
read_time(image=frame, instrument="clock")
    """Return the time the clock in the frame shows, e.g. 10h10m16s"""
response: 11h47m31s
